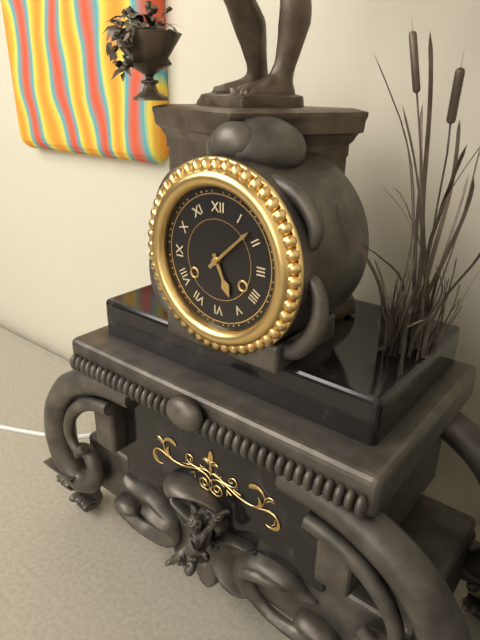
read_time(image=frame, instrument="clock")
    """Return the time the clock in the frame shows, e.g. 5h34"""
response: 5h08
